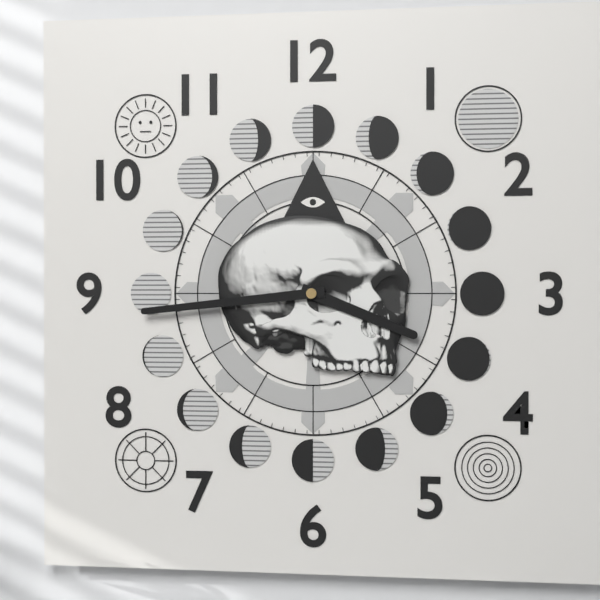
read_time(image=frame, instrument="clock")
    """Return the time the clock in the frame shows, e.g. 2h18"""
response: 3h44
